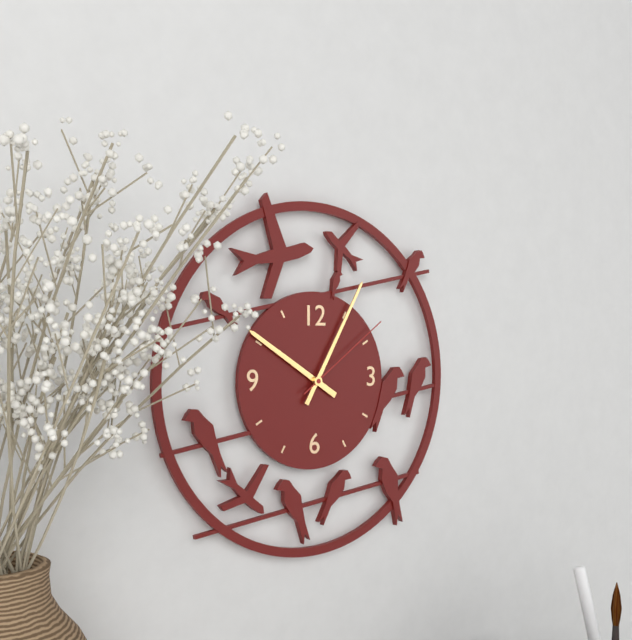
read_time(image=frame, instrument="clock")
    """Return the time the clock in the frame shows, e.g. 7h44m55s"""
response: 10h05m09s
